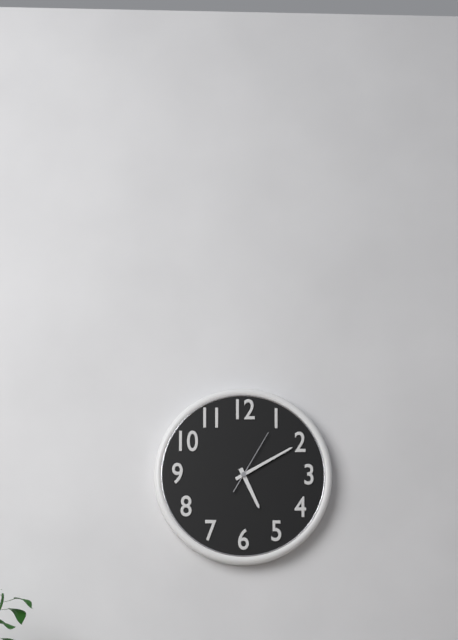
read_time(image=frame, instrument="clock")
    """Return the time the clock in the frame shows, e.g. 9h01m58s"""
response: 5h10m05s
